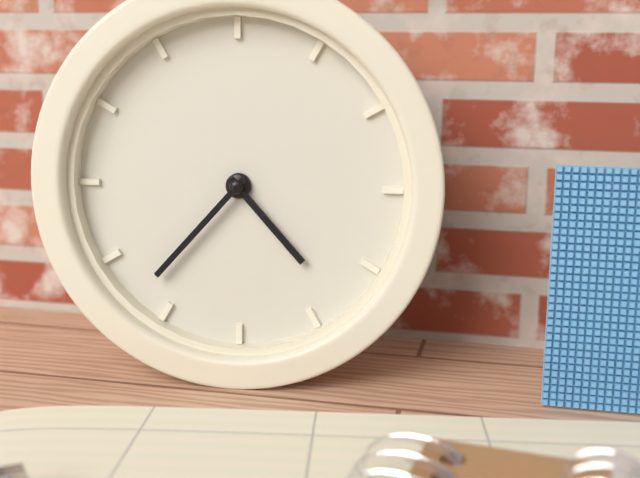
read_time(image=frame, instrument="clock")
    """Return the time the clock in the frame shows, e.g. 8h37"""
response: 4h37
